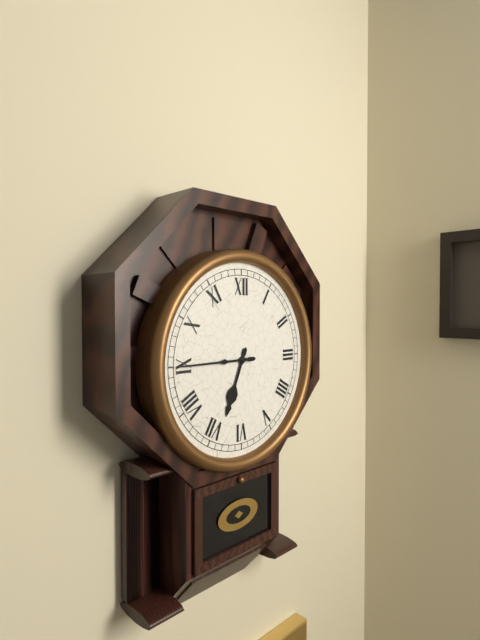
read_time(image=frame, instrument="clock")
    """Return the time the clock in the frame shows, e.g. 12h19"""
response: 6h45
